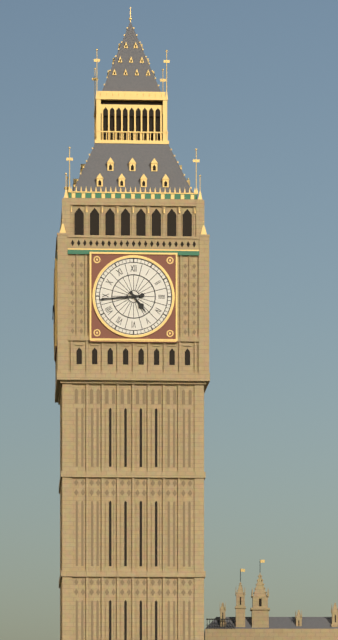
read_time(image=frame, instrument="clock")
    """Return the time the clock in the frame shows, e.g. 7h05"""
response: 4h44
